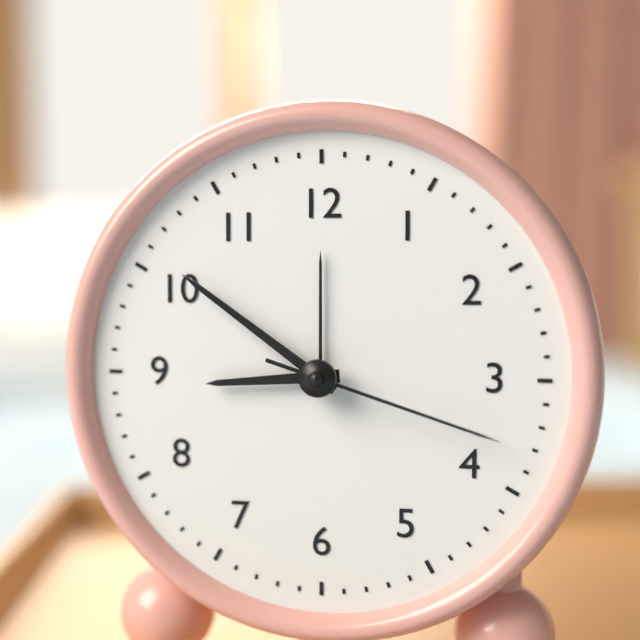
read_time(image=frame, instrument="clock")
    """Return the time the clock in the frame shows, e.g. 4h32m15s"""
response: 8h51m18s
